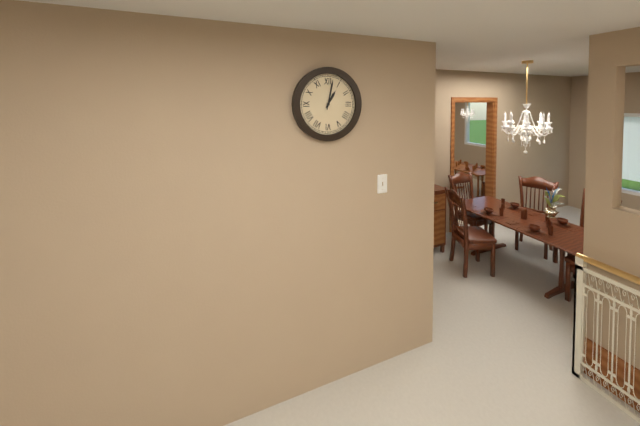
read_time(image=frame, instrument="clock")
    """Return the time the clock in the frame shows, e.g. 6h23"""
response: 1h02
